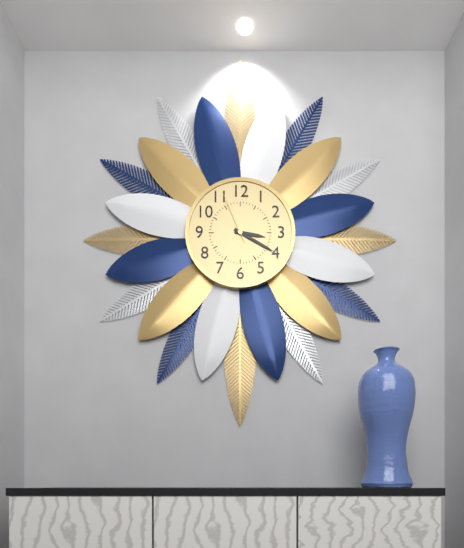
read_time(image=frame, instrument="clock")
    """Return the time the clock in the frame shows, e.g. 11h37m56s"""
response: 3h20m56s
